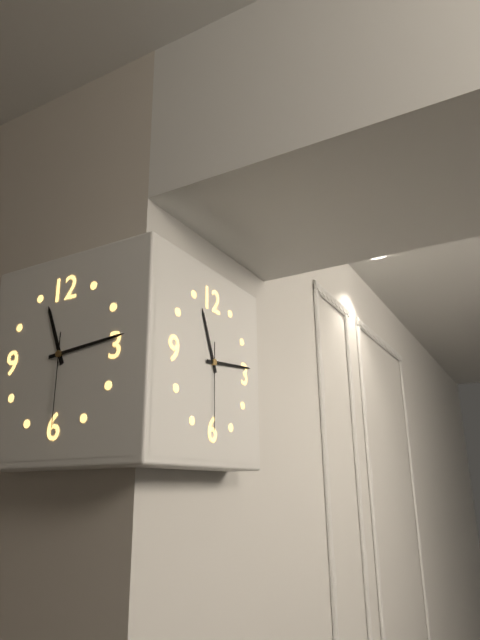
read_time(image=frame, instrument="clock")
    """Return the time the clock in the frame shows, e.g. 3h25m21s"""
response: 11h14m30s
